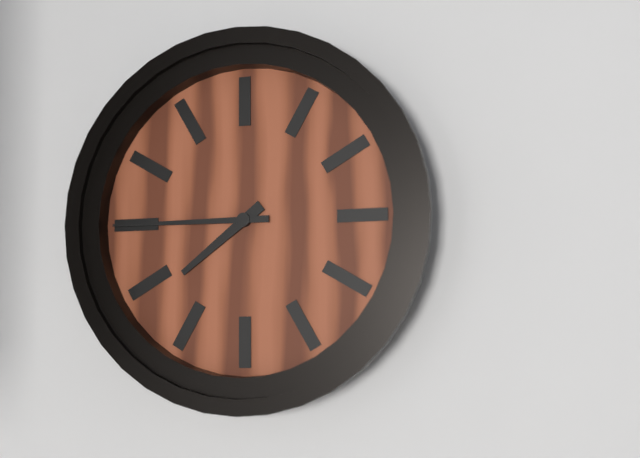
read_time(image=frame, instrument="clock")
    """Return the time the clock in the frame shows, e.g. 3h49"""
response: 7h45
